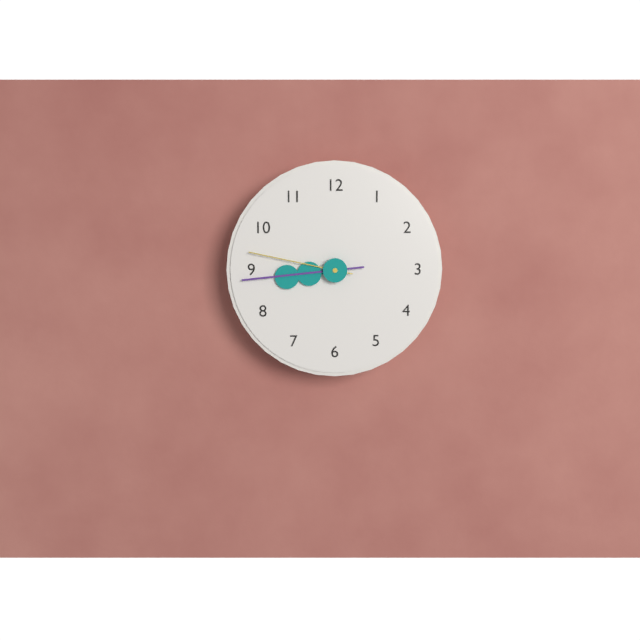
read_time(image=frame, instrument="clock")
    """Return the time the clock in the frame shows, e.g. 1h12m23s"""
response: 8h44m47s
